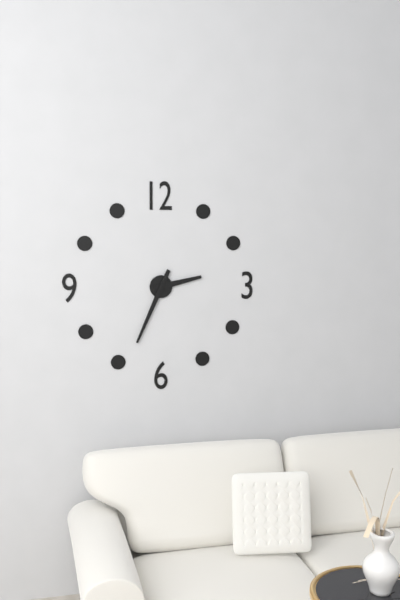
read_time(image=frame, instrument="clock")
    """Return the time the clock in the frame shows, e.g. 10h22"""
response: 2h34
